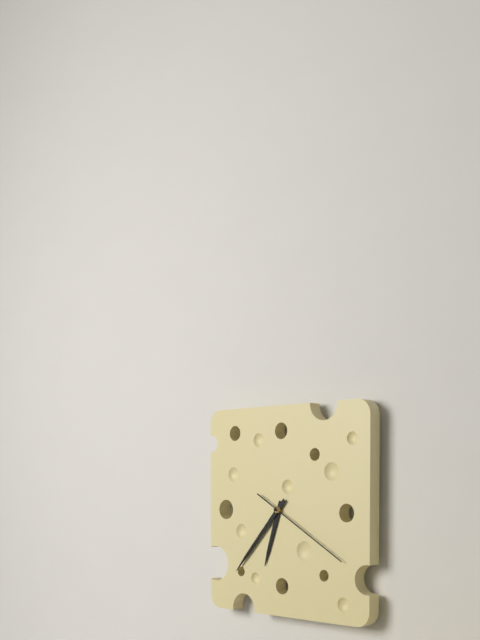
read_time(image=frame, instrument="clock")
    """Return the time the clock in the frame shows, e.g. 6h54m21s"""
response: 6h37m20s
